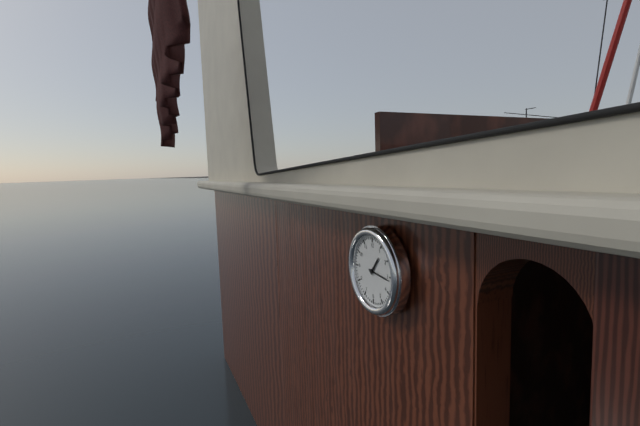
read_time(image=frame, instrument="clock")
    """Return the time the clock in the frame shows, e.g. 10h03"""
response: 1h16
